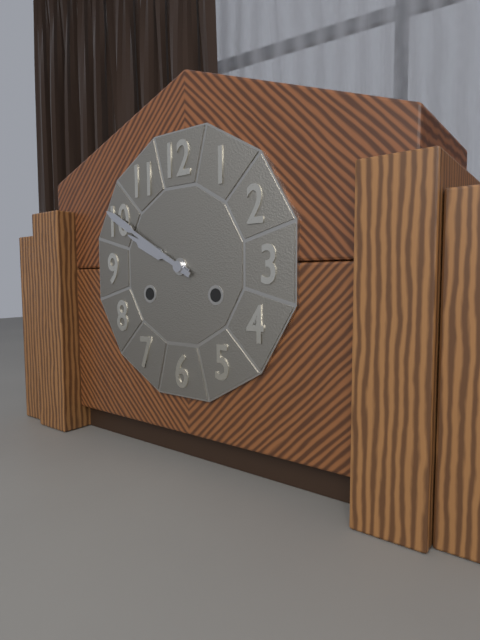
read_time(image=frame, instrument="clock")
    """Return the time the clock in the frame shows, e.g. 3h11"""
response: 9h50
